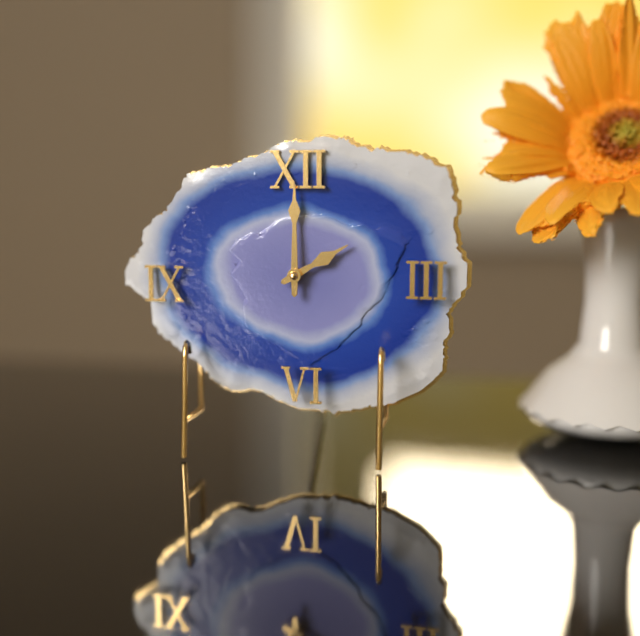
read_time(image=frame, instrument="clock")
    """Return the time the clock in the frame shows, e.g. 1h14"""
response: 2h00
